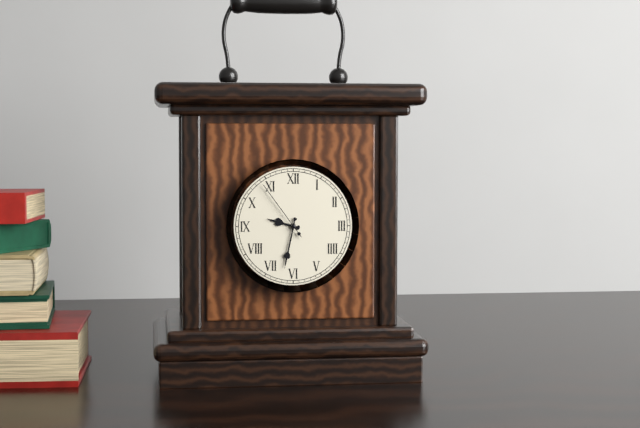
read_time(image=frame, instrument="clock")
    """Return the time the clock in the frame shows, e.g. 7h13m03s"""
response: 9h32m54s
